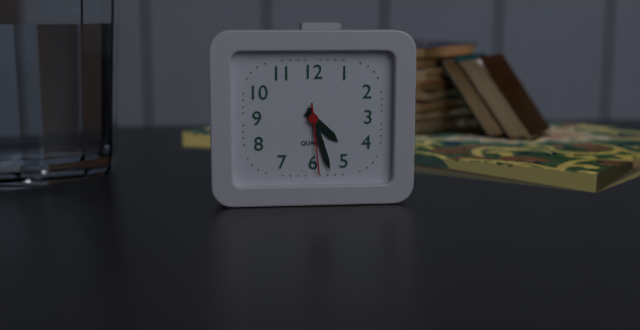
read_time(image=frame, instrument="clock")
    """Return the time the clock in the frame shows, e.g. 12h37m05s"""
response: 4h27m29s
